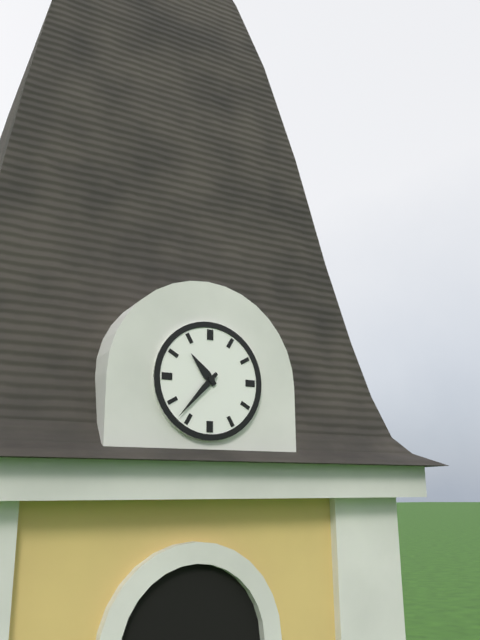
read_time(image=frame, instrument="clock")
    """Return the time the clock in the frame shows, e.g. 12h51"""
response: 10h37
